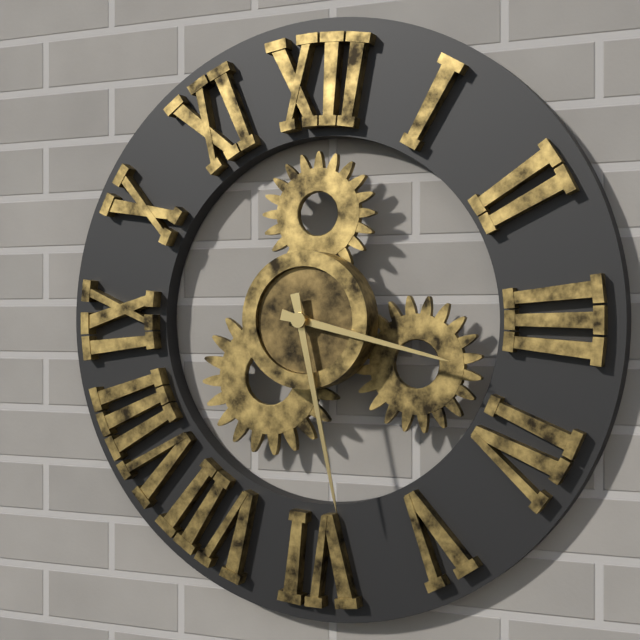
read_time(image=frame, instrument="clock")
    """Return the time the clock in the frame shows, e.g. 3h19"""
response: 3h28
